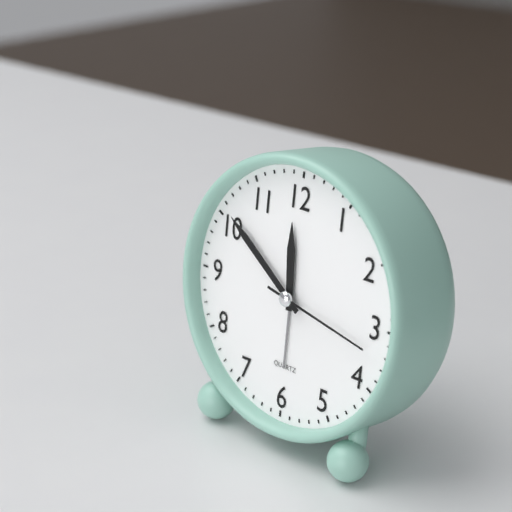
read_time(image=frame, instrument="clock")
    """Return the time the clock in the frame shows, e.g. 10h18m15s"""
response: 11h51m17s
